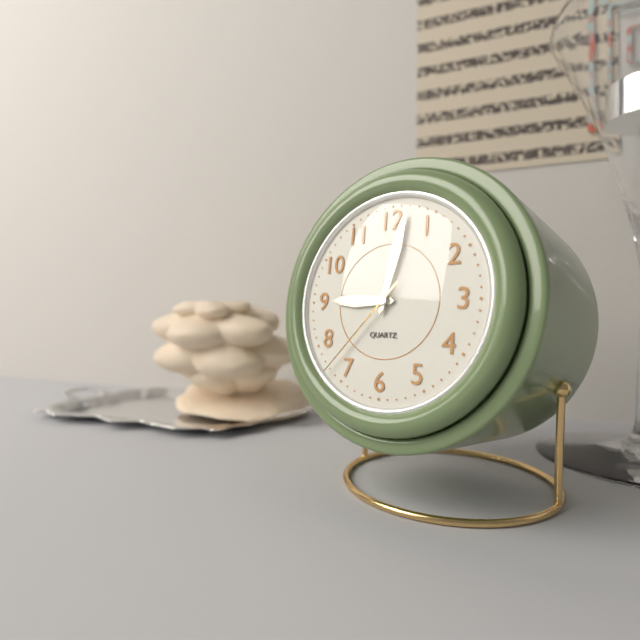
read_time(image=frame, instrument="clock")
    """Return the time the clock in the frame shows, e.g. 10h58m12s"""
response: 9h02m37s
